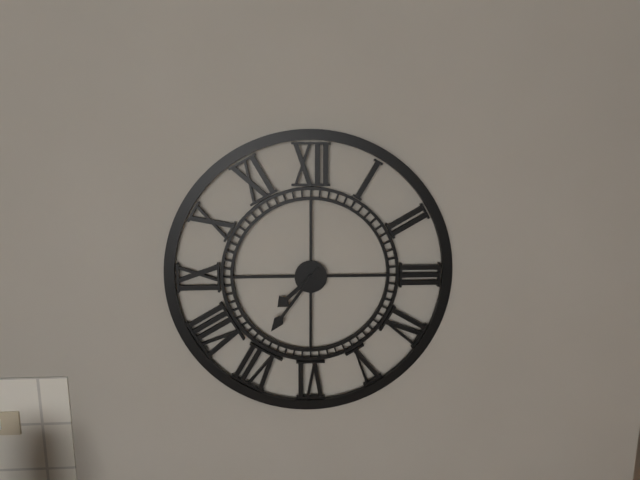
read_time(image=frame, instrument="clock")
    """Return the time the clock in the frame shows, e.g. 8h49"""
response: 7h36
